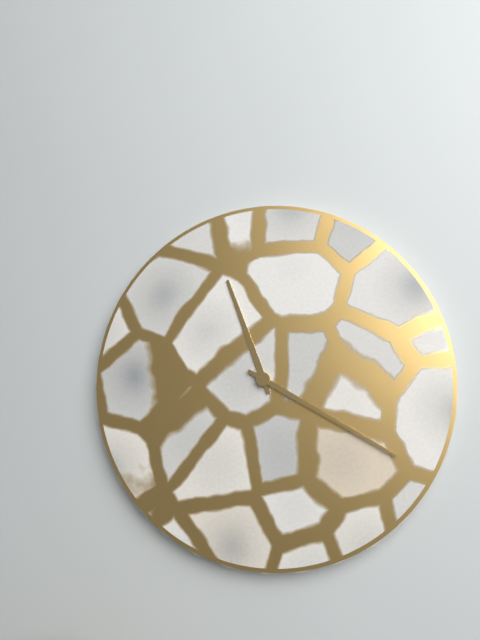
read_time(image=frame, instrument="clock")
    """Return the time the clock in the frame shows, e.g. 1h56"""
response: 11h20
